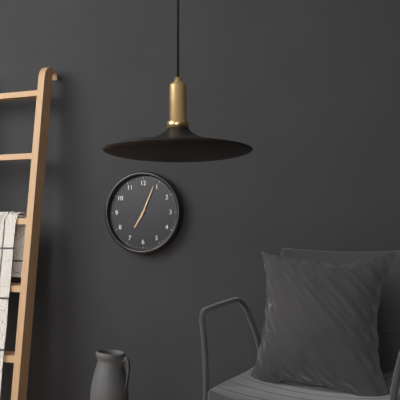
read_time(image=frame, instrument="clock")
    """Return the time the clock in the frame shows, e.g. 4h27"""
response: 7h04
